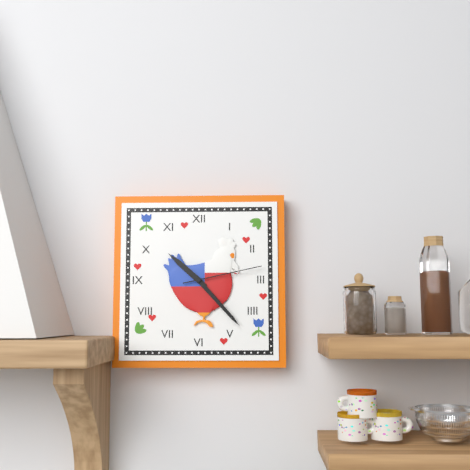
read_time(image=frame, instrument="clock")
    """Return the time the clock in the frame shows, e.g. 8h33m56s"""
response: 10h23m13s
